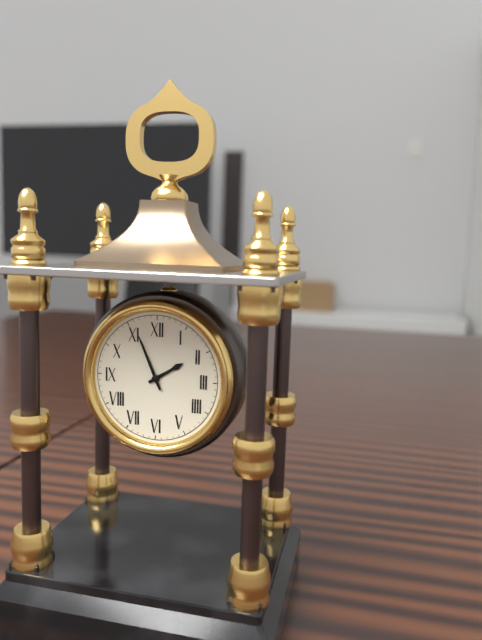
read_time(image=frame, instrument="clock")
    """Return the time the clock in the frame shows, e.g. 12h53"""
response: 1h56
